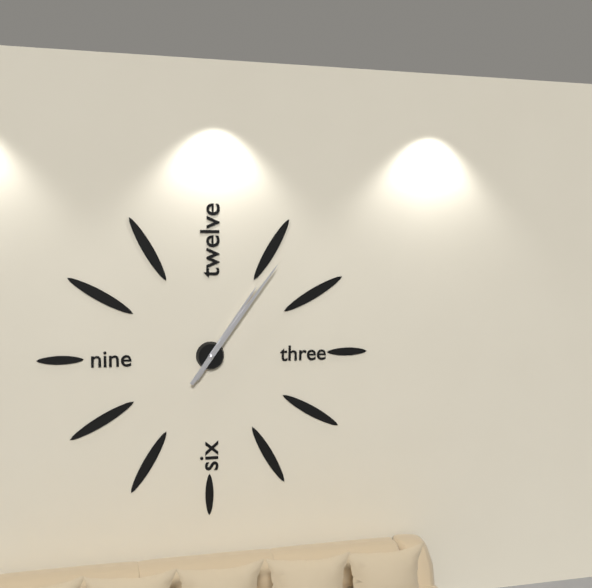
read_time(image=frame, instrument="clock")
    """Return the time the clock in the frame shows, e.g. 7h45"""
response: 1h06
